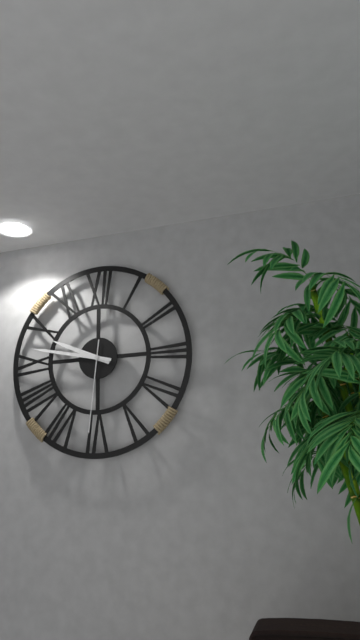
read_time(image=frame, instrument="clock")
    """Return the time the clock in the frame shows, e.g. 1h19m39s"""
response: 9h47m31s
